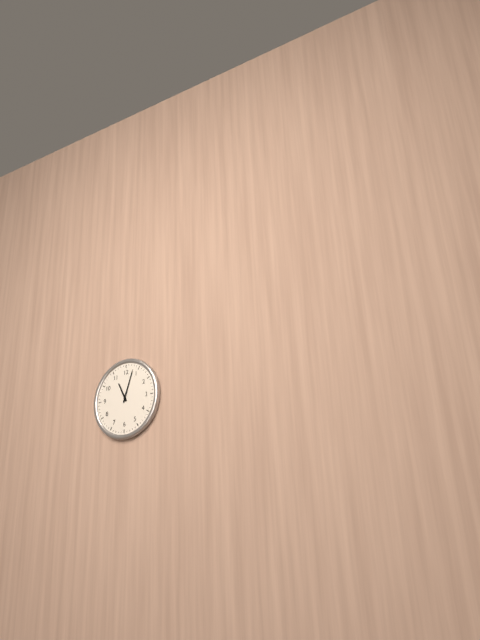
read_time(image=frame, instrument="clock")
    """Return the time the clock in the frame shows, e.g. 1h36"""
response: 11h03
